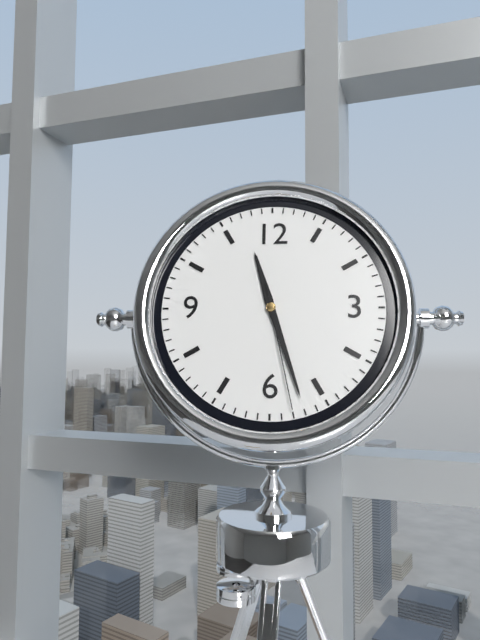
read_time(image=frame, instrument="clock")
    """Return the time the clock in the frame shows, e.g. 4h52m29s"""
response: 11h27m28s
